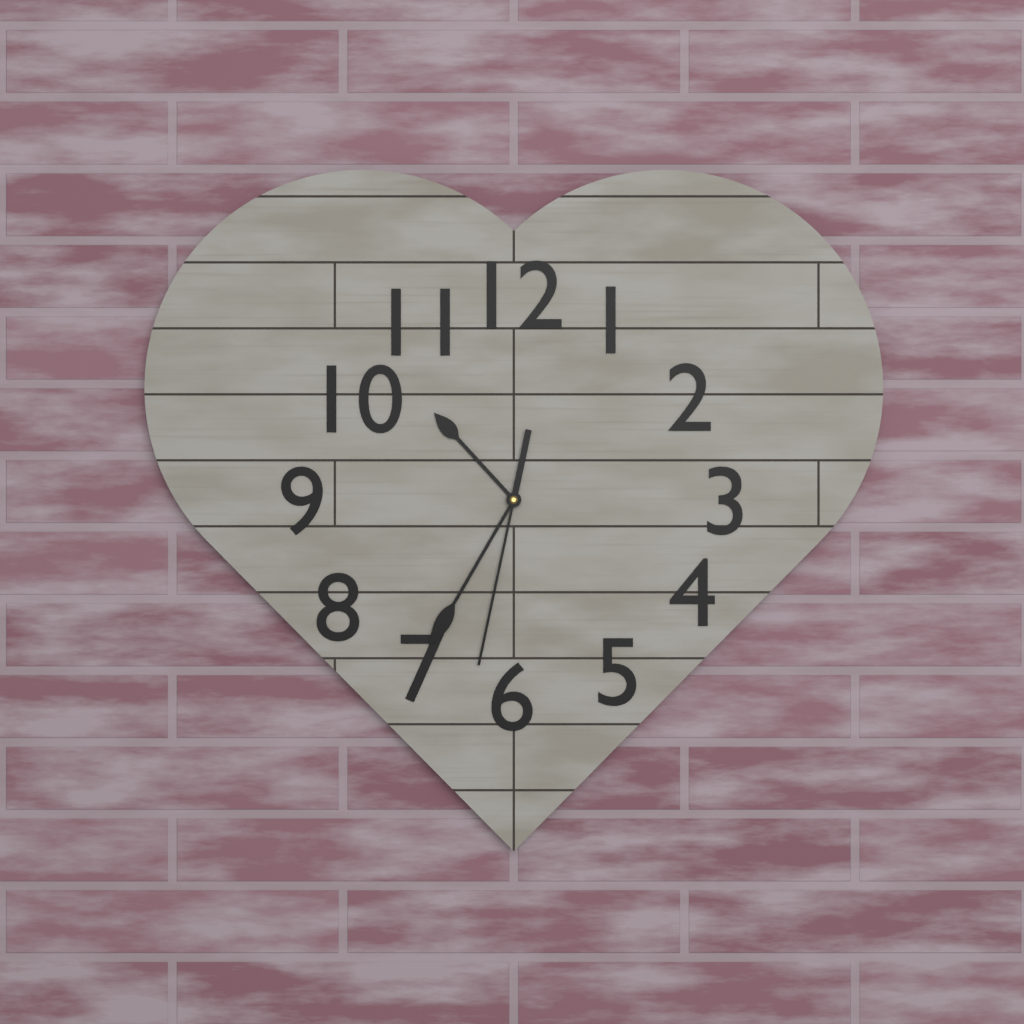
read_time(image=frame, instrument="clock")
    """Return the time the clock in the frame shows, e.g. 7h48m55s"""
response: 10h35m32s
